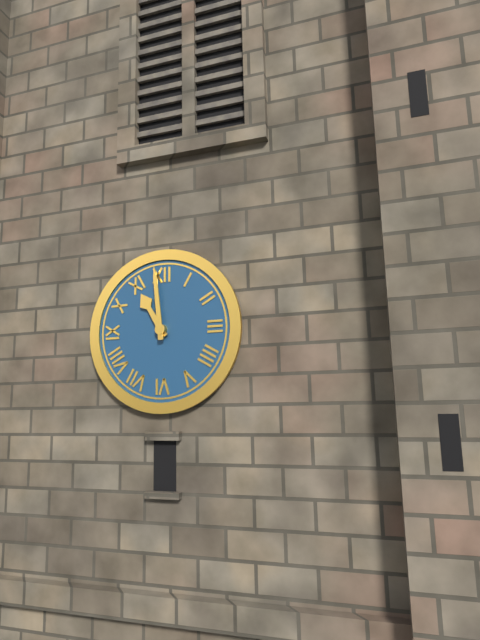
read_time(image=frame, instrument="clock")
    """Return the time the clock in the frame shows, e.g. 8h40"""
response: 10h59
